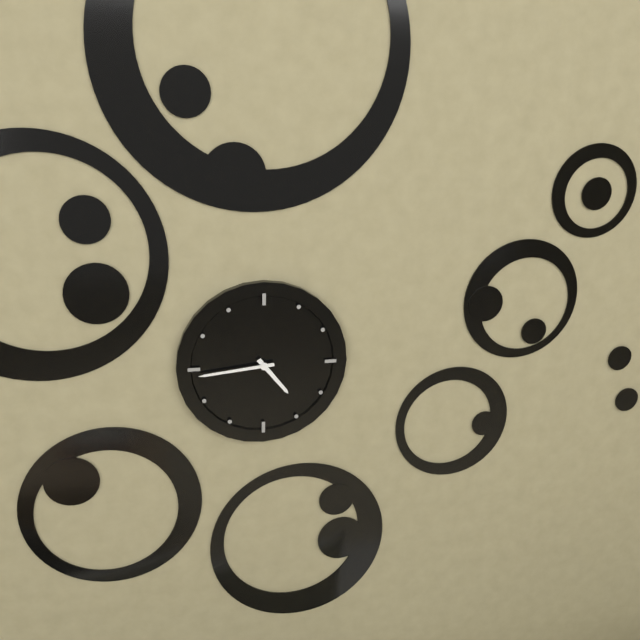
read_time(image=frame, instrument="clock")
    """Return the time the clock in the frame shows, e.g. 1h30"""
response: 4h44
